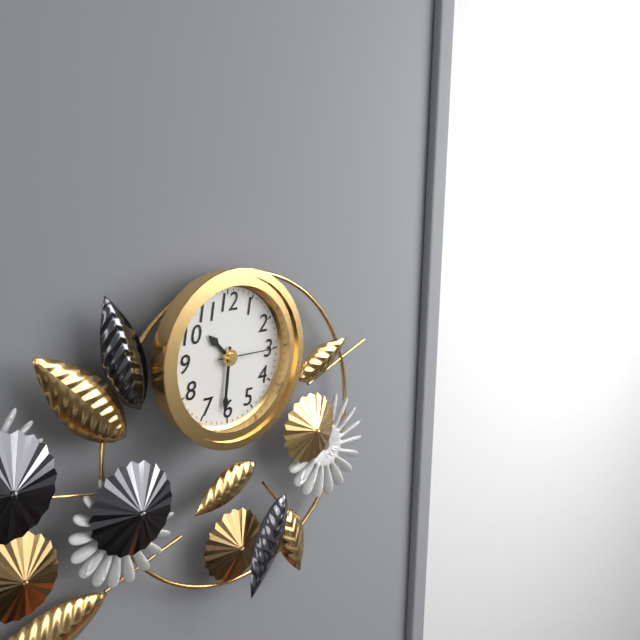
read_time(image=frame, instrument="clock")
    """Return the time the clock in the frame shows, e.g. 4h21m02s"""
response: 10h31m15s
